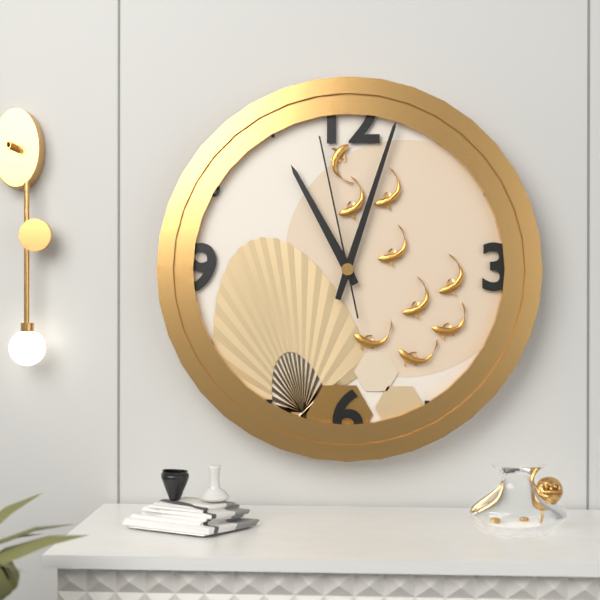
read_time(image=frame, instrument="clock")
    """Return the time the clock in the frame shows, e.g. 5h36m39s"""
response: 11h03m58s
